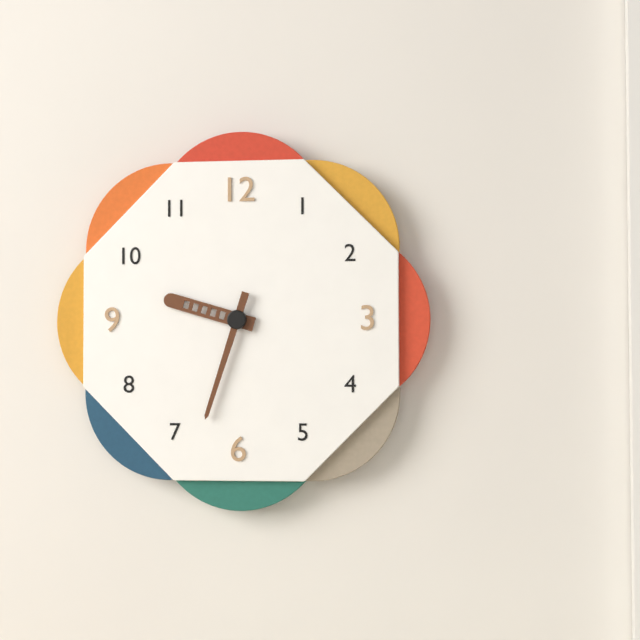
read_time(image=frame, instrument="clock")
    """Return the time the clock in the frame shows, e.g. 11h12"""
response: 9h33
